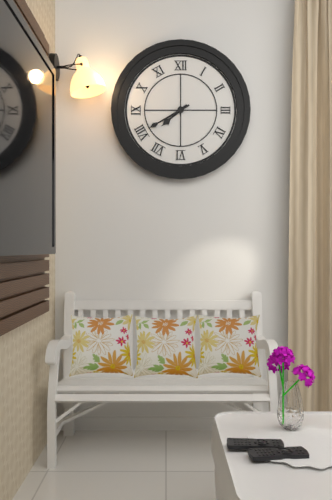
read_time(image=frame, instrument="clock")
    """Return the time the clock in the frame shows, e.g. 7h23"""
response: 7h40
